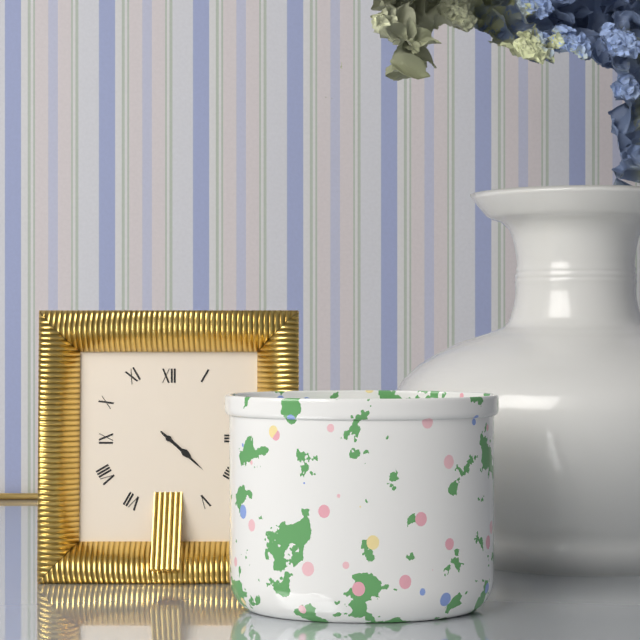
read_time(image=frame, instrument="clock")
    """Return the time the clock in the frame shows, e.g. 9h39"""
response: 4h22
